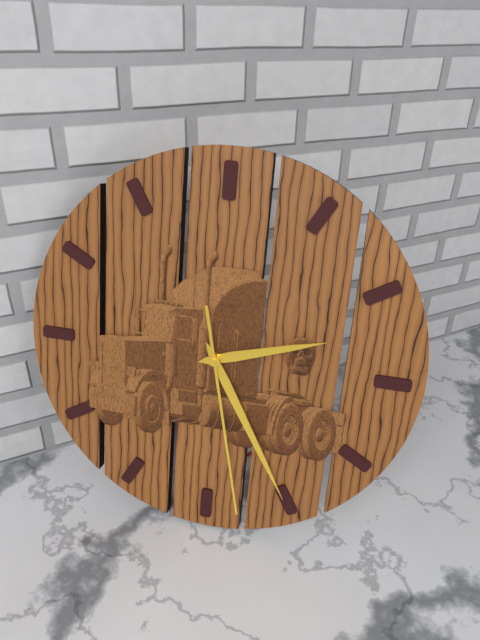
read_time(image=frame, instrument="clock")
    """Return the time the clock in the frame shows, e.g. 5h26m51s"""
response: 2h25m28s
